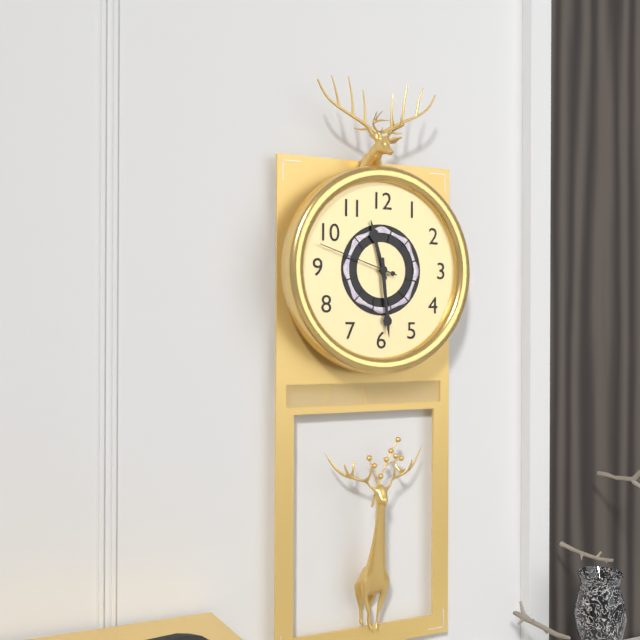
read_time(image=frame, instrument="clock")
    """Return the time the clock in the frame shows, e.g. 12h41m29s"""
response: 11h29m48s
